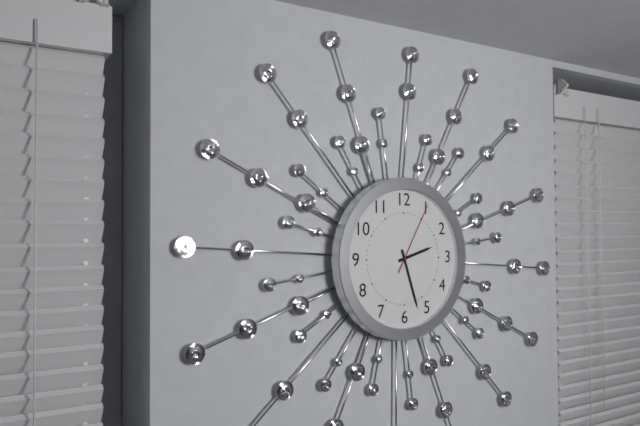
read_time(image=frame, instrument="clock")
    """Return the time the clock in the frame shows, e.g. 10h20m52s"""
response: 2h27m05s
